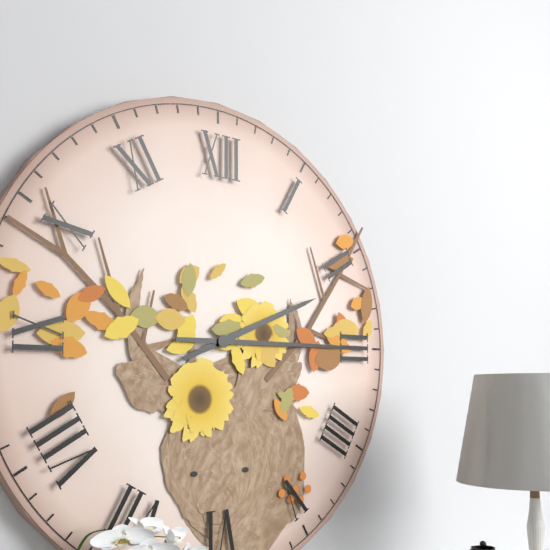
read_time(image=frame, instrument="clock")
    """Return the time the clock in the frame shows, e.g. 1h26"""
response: 2h15
